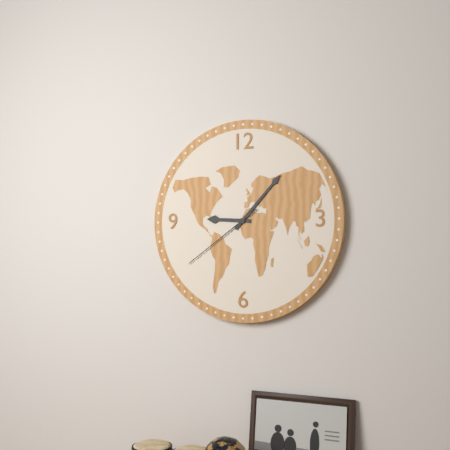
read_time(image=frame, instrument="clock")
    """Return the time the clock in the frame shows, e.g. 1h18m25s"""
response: 9h07m39s
